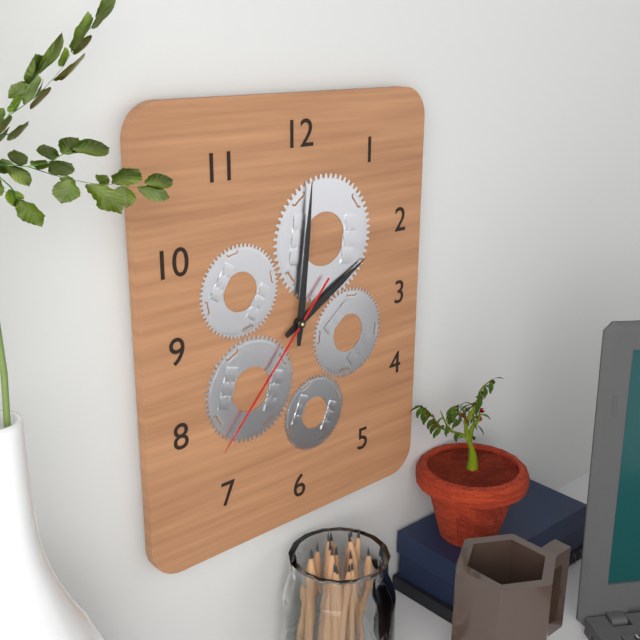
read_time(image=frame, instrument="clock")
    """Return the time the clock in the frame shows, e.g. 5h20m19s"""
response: 2h01m37s
